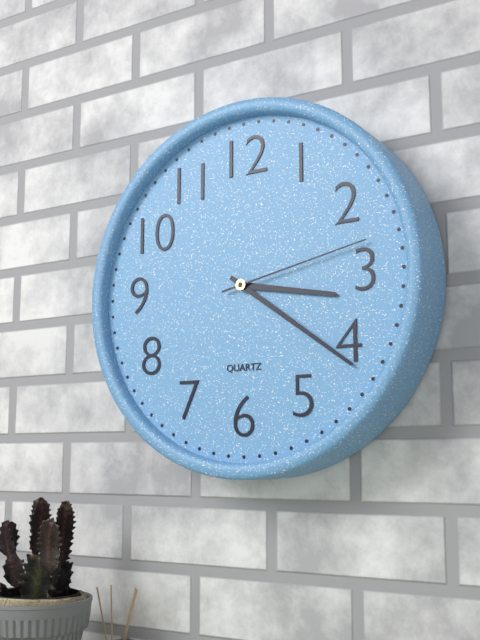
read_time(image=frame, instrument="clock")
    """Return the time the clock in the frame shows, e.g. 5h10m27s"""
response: 3h21m13s
